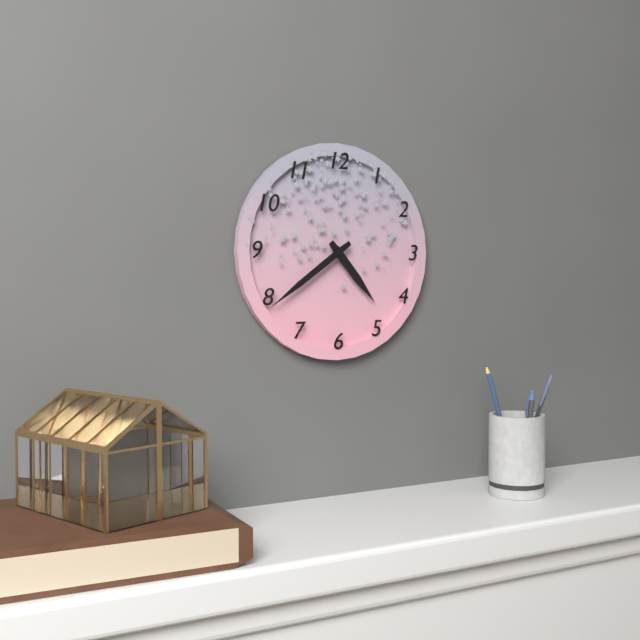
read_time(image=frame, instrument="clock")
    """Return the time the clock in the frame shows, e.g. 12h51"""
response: 4h39
